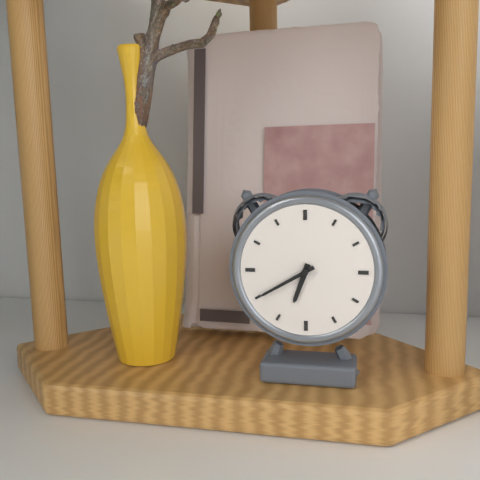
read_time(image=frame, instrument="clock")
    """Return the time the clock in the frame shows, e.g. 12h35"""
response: 6h40
